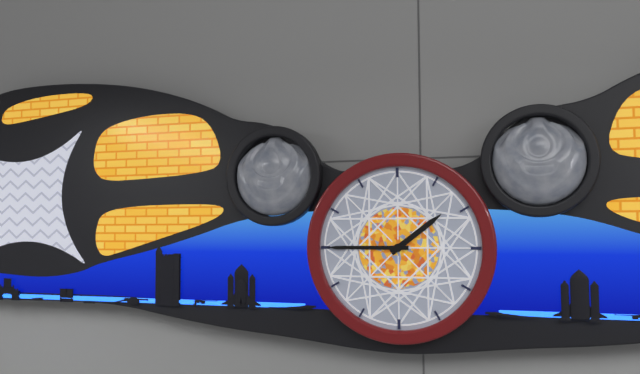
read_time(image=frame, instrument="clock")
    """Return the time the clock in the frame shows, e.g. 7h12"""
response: 1h45
